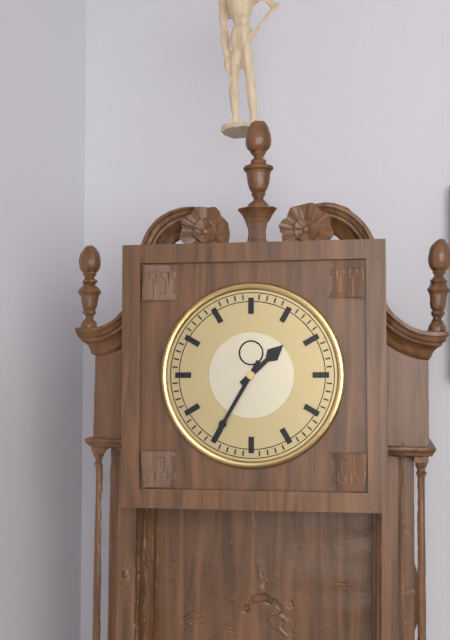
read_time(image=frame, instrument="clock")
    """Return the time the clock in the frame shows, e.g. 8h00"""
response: 1h35
